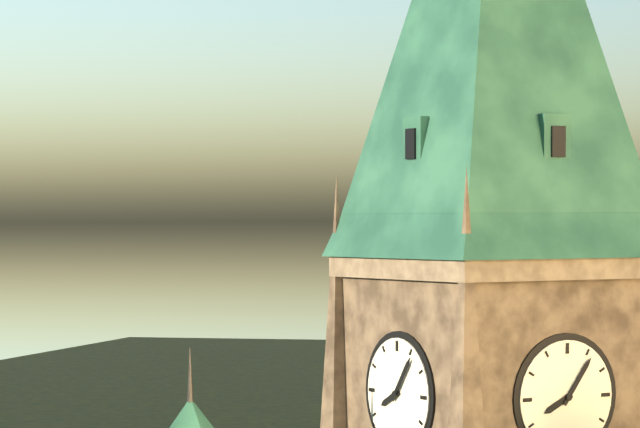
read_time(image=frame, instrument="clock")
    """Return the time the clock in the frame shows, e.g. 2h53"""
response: 8h06
